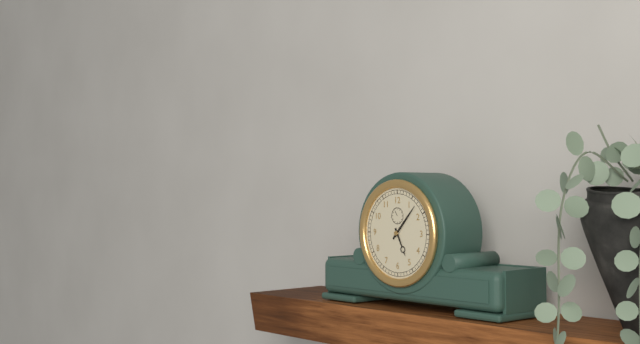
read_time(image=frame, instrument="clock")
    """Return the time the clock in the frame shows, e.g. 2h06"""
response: 5h07
